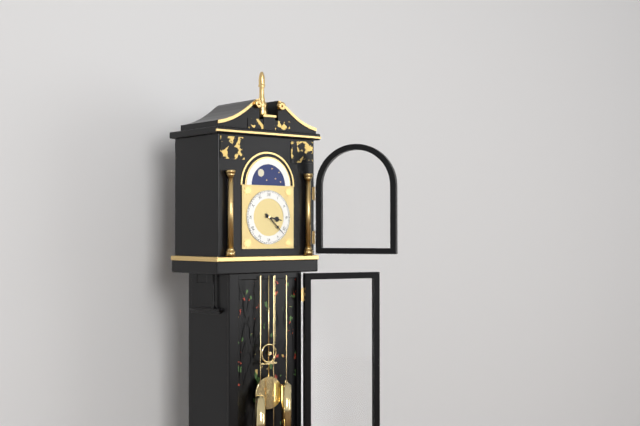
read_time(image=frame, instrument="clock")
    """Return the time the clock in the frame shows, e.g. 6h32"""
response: 3h22
